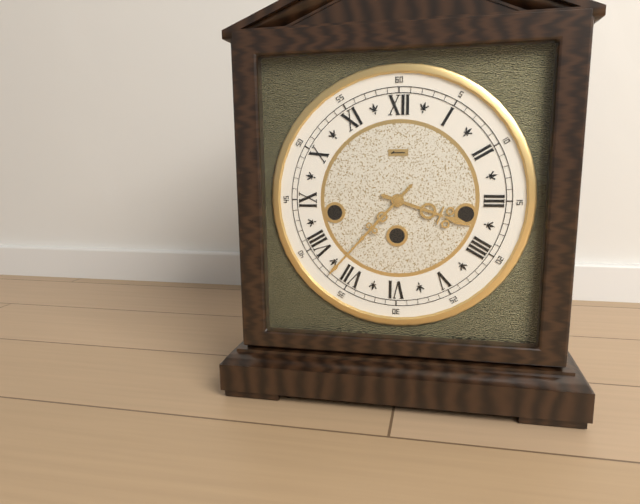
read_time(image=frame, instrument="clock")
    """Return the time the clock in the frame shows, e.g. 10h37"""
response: 3h37
